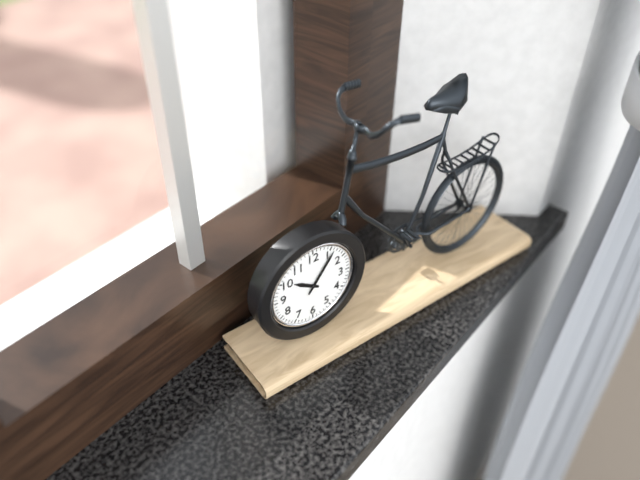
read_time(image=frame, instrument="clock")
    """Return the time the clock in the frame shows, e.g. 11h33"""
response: 10h06
